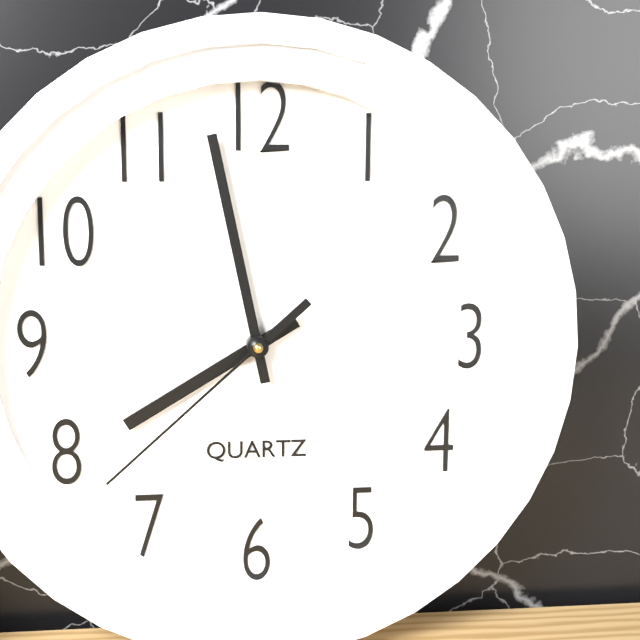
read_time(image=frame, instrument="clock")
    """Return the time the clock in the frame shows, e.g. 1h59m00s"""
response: 7h58m38s
